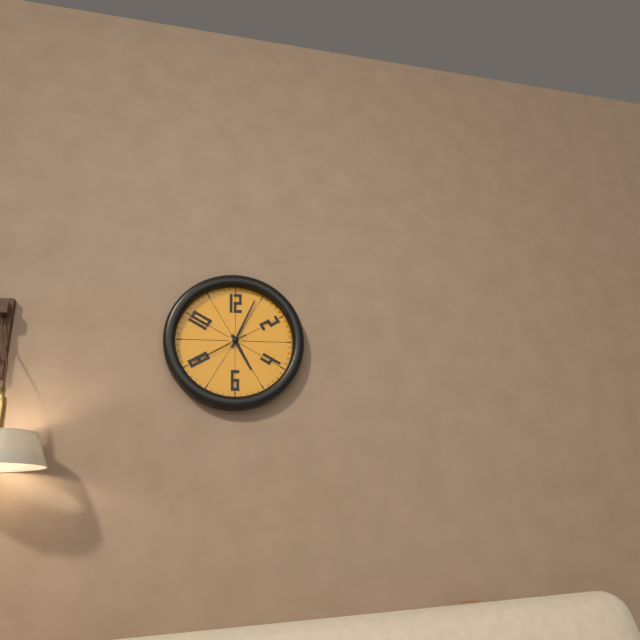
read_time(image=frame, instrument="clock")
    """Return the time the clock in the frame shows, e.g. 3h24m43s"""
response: 5h04m40s
